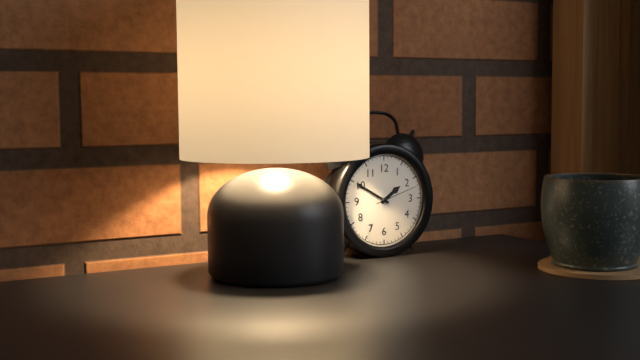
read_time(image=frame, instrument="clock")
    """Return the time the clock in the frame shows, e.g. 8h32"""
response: 1h50
